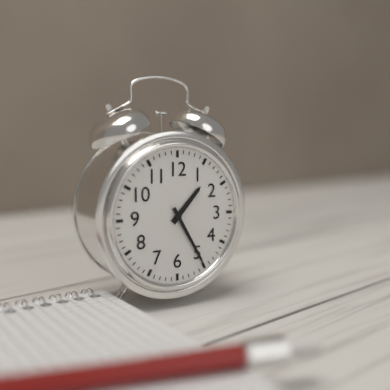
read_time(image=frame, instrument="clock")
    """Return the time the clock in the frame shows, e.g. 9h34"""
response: 1h25
